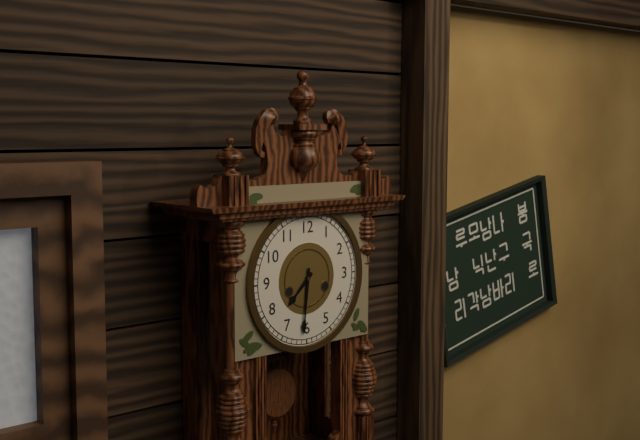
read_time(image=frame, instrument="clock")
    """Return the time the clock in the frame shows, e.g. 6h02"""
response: 7h31
